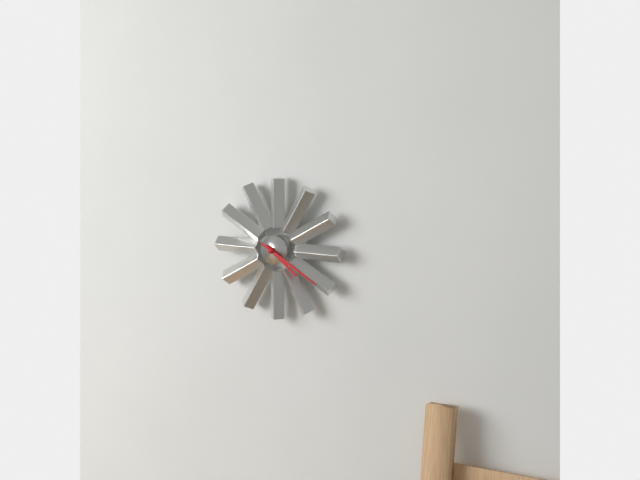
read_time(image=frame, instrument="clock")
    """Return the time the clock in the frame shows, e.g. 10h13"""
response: 4h20
